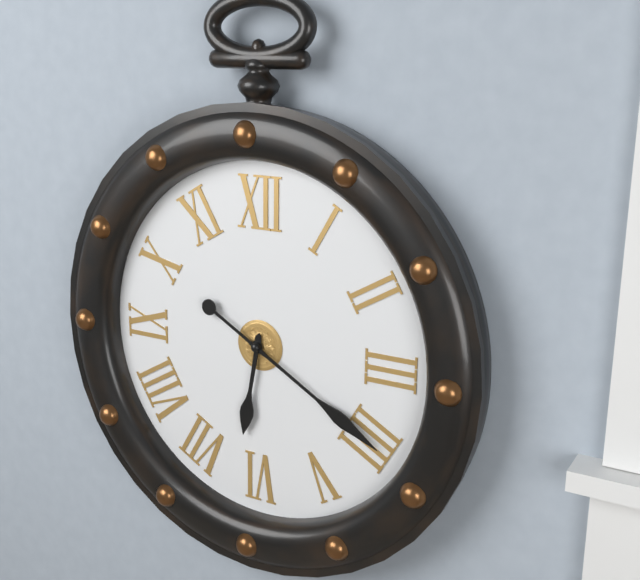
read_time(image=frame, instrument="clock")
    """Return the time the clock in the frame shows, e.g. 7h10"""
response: 6h20
